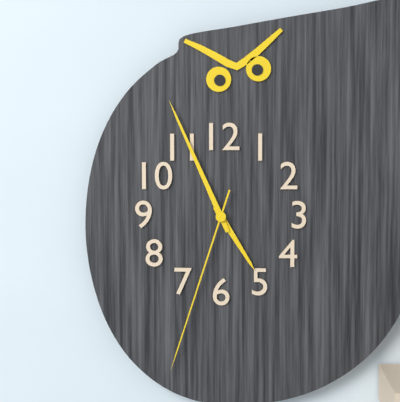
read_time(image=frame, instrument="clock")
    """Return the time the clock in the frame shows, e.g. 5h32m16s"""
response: 4h56m33s
